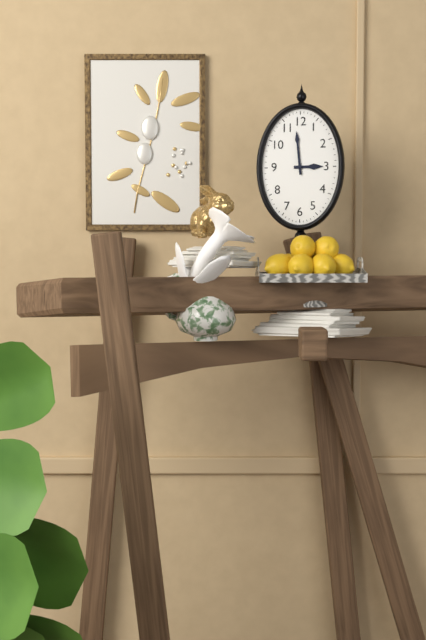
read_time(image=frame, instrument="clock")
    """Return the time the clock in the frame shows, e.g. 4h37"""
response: 2h59
